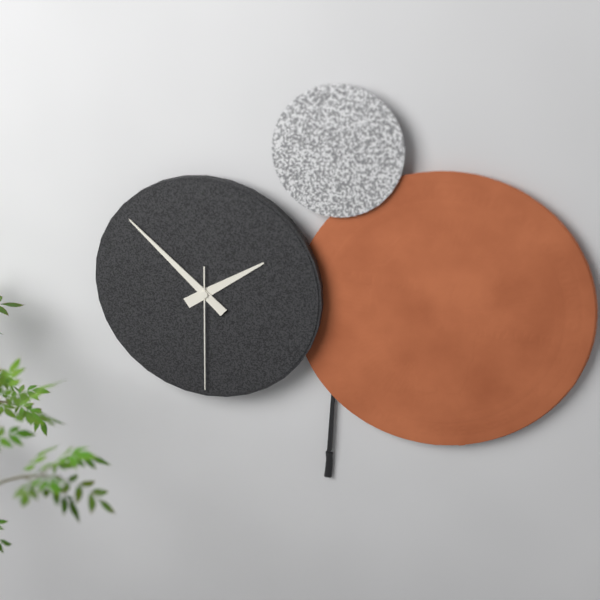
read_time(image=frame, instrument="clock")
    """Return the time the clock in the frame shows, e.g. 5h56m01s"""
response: 1h52m30s
